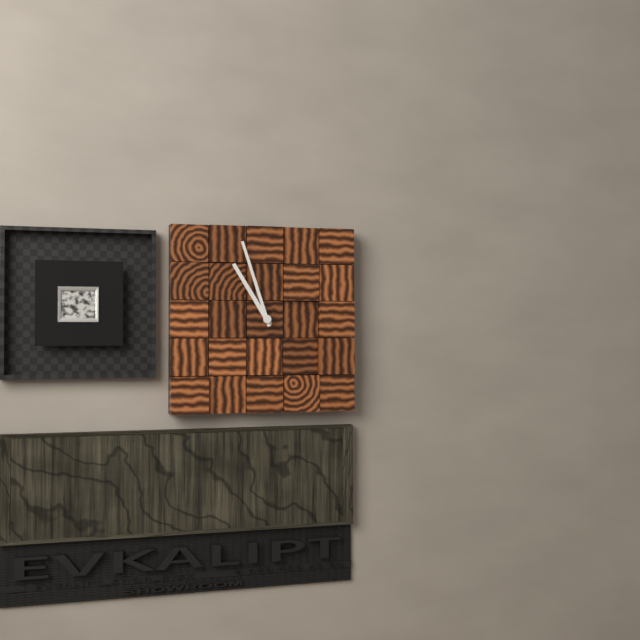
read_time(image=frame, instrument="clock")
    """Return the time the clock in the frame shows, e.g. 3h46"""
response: 10h57
